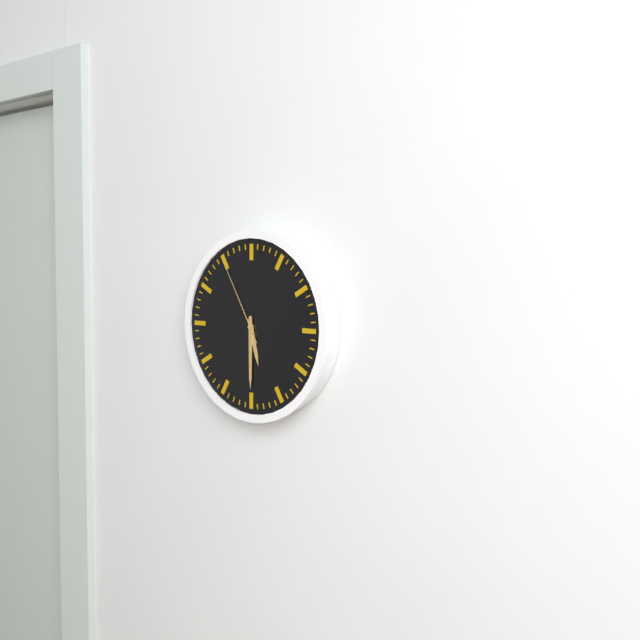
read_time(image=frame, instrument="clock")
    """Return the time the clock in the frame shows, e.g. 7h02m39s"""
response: 5h30m55s
